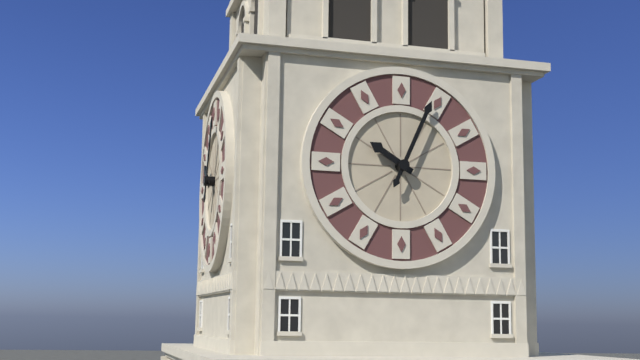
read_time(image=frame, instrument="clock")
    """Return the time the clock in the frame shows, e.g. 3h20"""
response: 10h04
